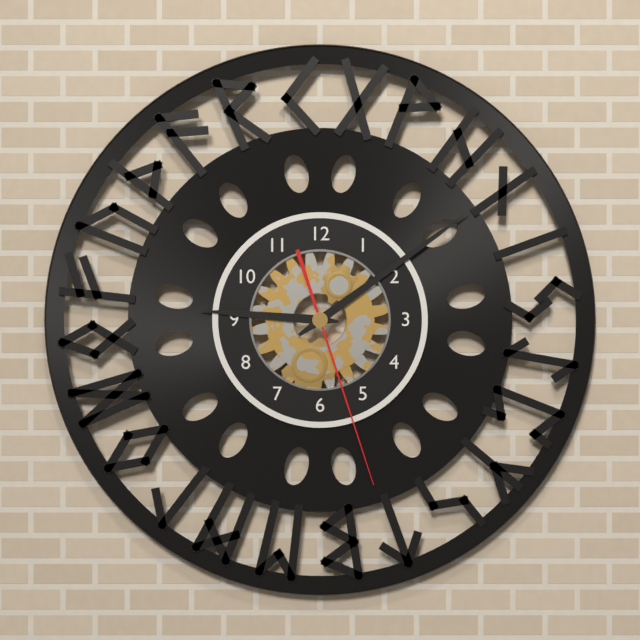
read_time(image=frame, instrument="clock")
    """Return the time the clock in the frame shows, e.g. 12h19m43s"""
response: 9h09m27s
